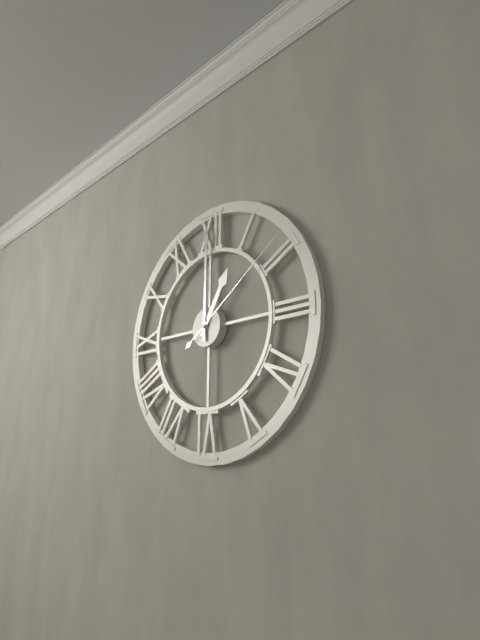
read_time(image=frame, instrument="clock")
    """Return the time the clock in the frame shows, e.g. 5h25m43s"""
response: 1h00m09s
